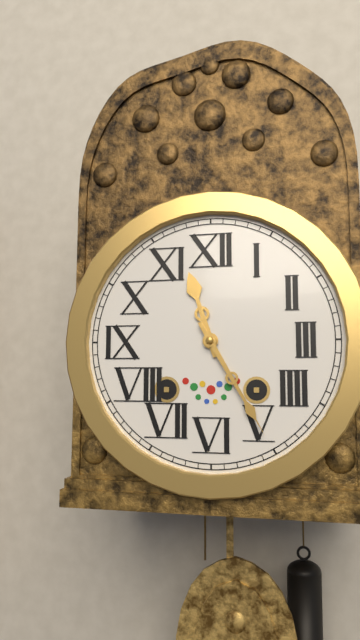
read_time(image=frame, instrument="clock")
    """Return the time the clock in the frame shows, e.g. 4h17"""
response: 11h25
